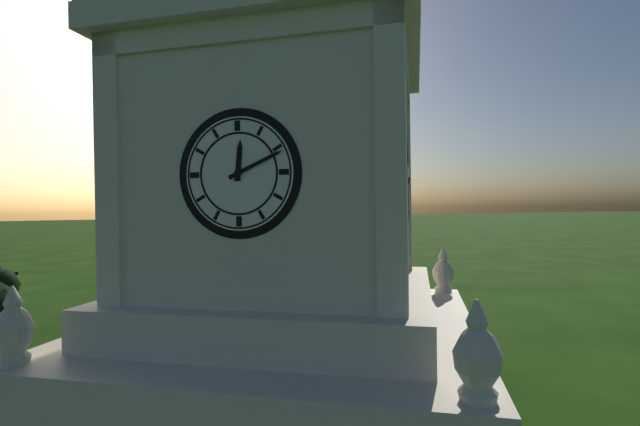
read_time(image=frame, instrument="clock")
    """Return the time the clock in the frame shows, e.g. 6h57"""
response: 12h11
